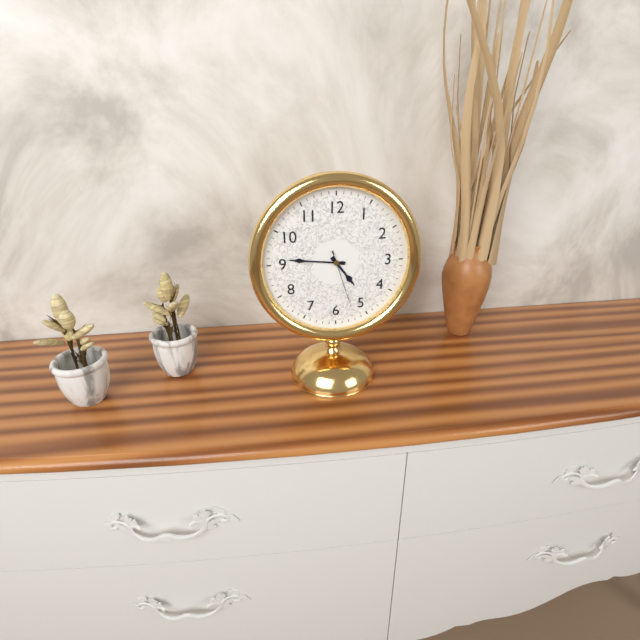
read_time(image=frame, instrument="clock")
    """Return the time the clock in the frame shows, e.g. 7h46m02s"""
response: 4h46m27s
